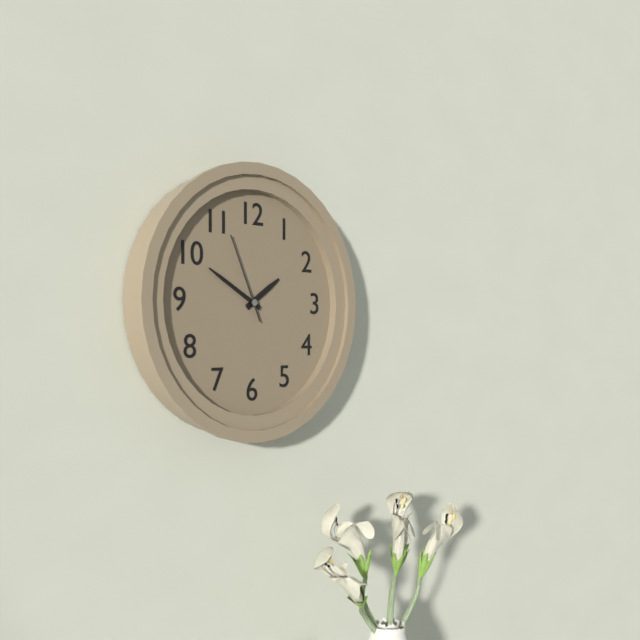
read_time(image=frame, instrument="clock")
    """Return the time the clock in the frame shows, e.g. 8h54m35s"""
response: 1h50m56s
